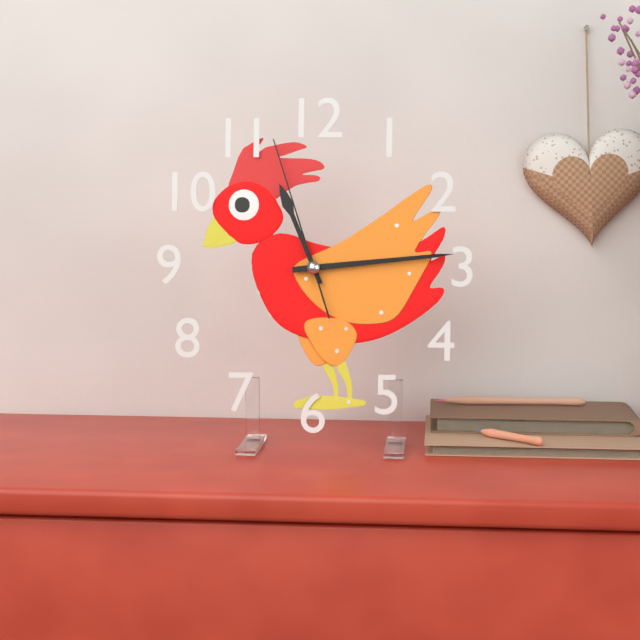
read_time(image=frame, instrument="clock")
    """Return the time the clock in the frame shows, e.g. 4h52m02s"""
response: 11h14m57s
